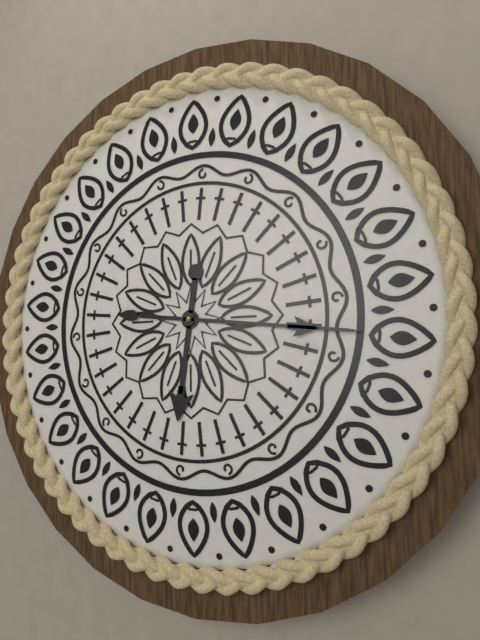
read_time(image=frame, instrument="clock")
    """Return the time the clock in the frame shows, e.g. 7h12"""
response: 6h16
